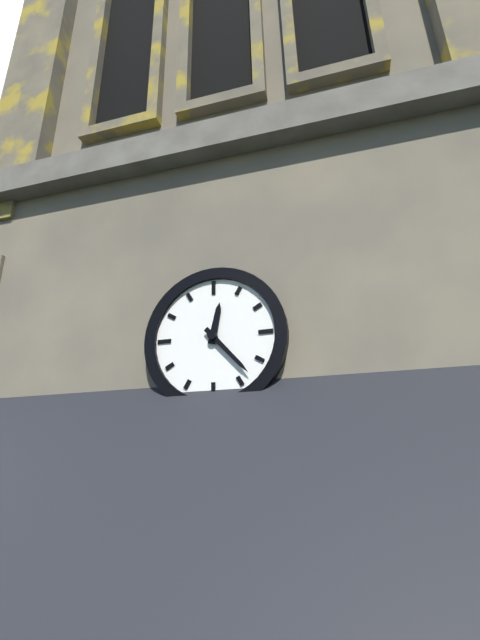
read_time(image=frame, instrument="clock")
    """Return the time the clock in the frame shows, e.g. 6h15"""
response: 12h23
